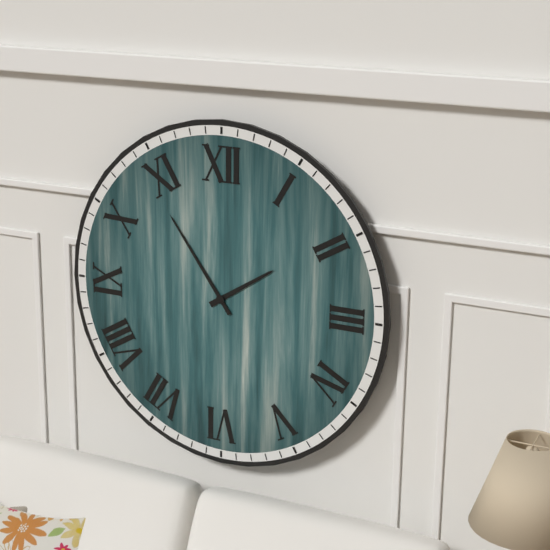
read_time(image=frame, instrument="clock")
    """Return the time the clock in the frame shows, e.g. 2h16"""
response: 1h54
